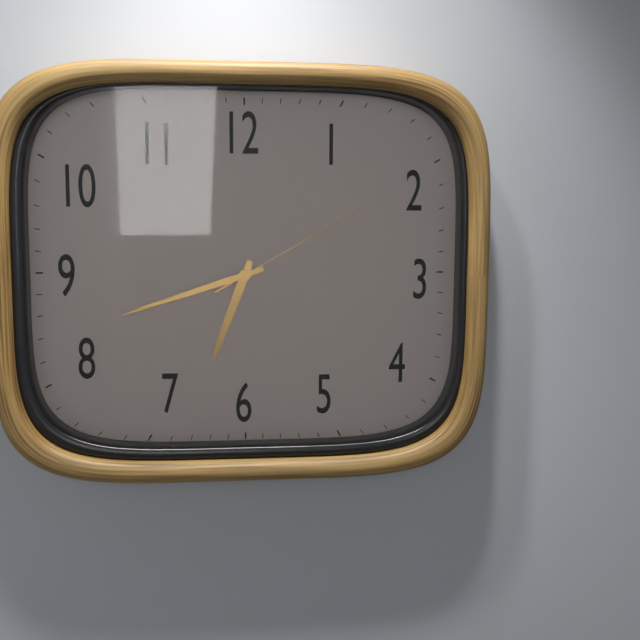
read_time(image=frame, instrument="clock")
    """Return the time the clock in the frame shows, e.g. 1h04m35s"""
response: 6h42m10s
